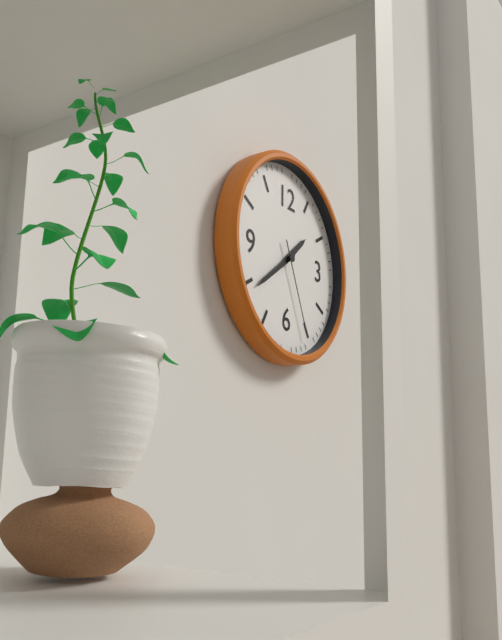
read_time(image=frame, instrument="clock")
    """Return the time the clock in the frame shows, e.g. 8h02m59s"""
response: 1h39m26s
